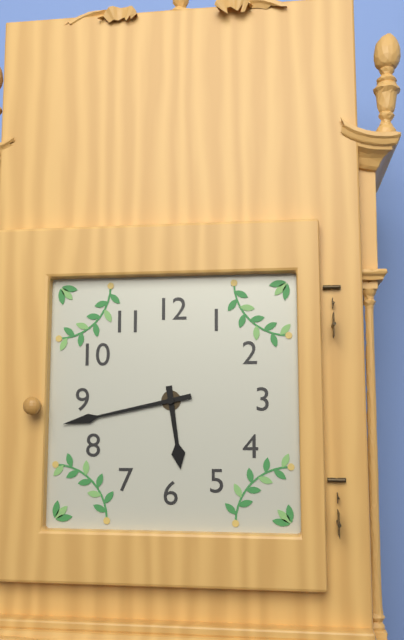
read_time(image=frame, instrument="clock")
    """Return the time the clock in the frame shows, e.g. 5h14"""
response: 5h43
